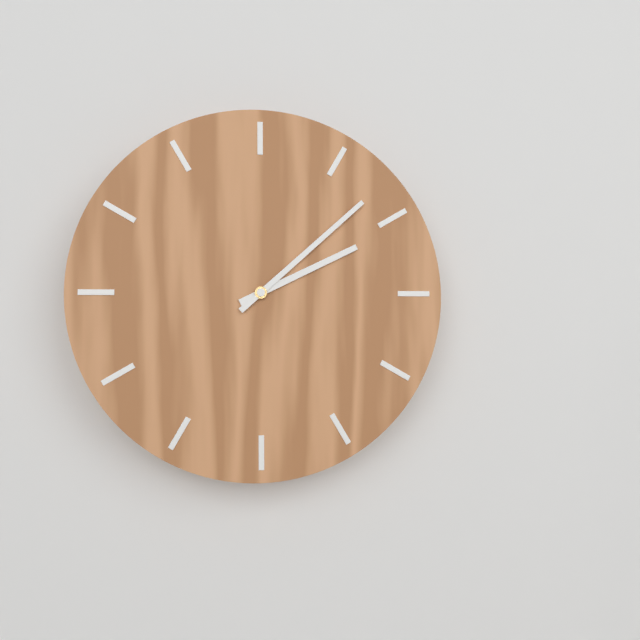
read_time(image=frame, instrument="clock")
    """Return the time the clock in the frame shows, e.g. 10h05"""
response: 2h08
